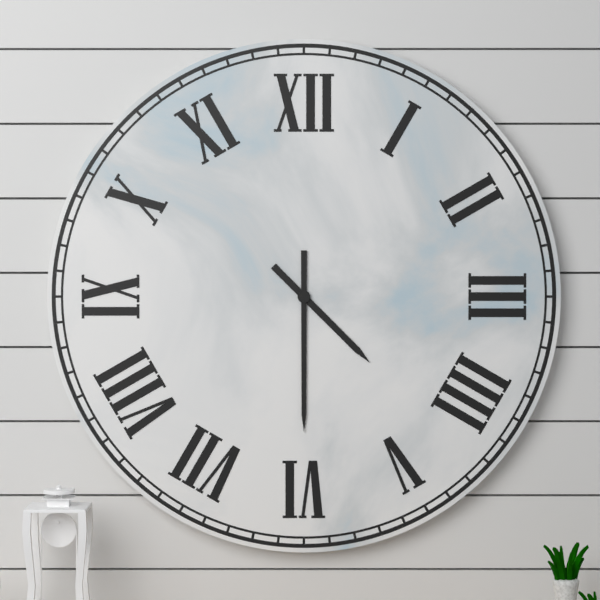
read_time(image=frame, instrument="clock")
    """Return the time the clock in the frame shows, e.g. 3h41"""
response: 4h30
